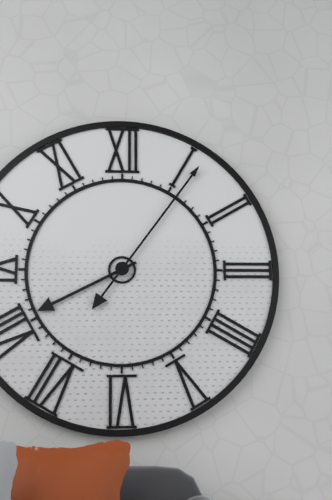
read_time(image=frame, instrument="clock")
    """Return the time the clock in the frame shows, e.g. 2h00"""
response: 8h06
